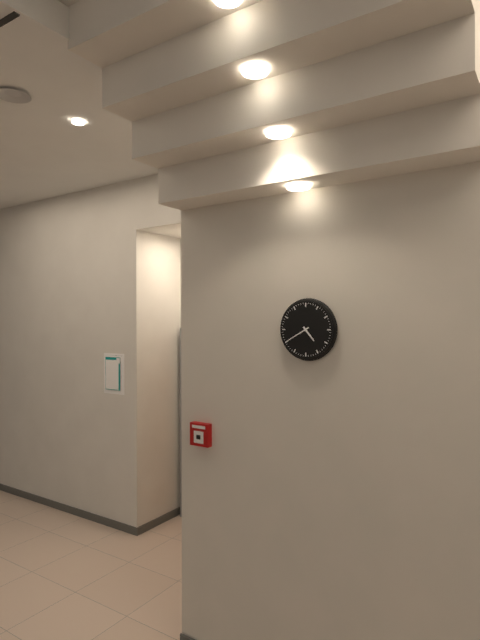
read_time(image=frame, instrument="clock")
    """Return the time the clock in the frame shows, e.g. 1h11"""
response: 4h40
